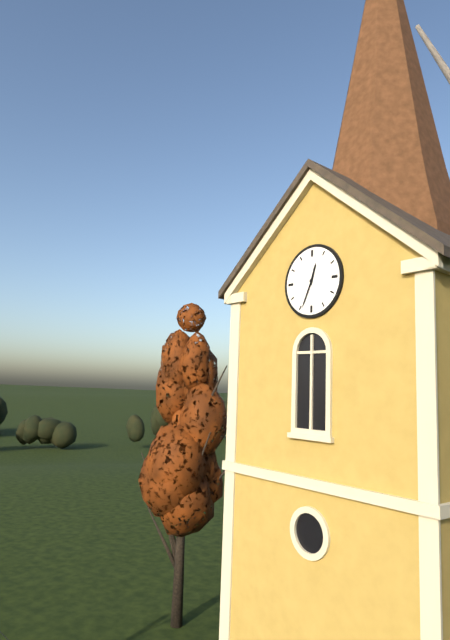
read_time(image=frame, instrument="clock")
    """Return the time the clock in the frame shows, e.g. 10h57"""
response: 12h34
